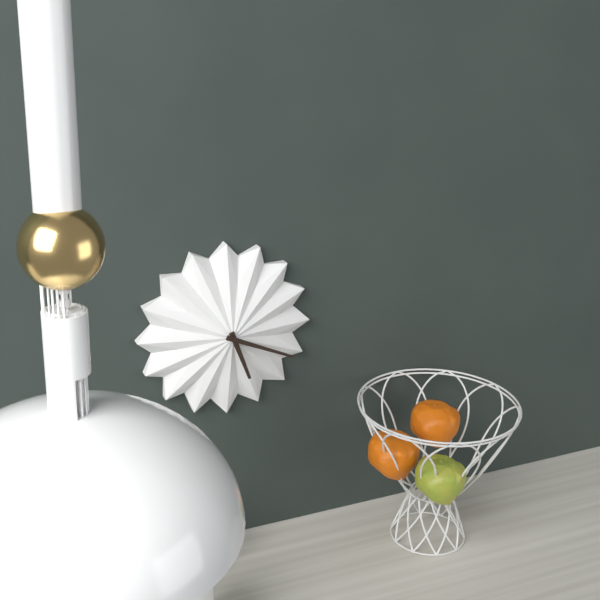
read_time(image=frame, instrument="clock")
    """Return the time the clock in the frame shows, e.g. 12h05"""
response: 5h19
